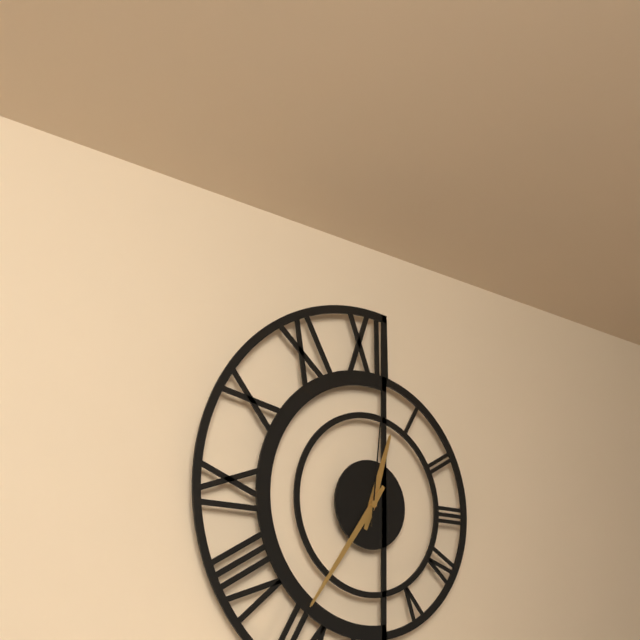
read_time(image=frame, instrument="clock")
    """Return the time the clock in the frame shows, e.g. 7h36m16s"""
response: 12h36m01s
